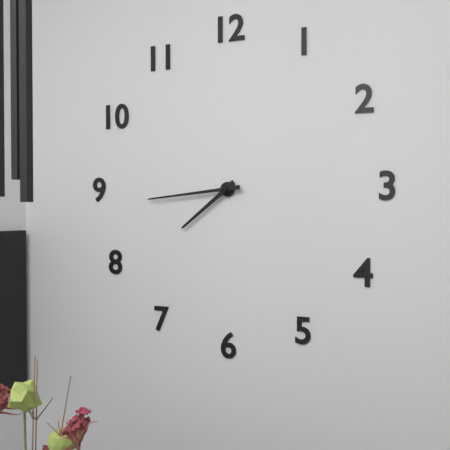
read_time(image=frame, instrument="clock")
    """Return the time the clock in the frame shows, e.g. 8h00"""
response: 7h44
